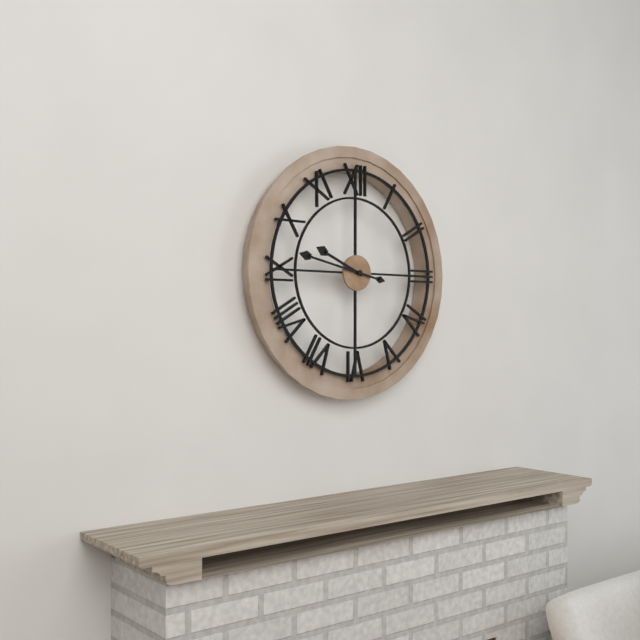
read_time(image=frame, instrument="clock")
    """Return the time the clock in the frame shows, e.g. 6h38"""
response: 9h47
